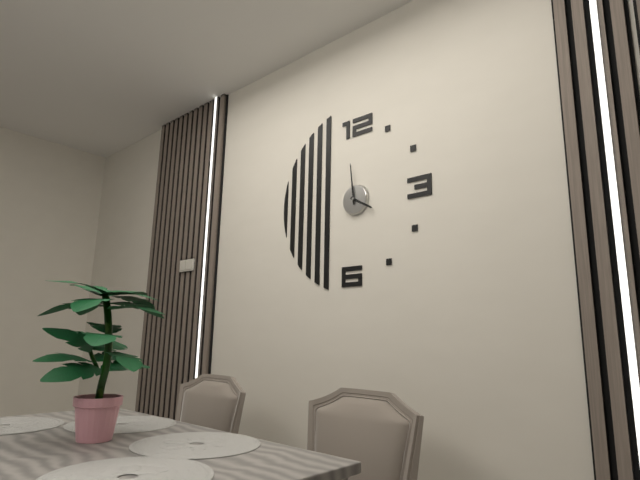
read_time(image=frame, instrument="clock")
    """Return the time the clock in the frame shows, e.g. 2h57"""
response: 3h59
